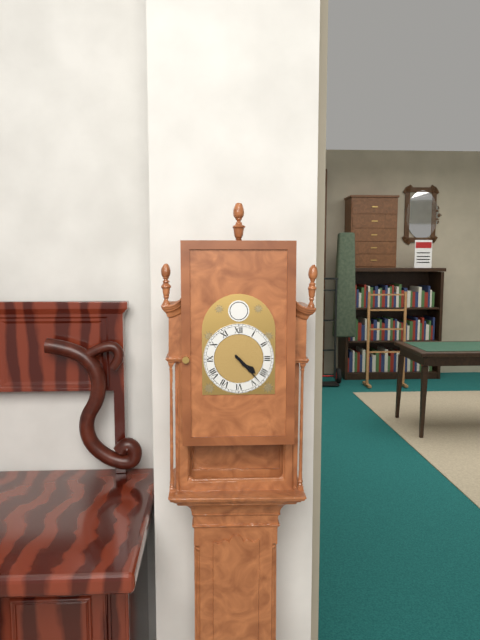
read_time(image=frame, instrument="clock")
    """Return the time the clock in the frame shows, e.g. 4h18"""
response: 4h23
